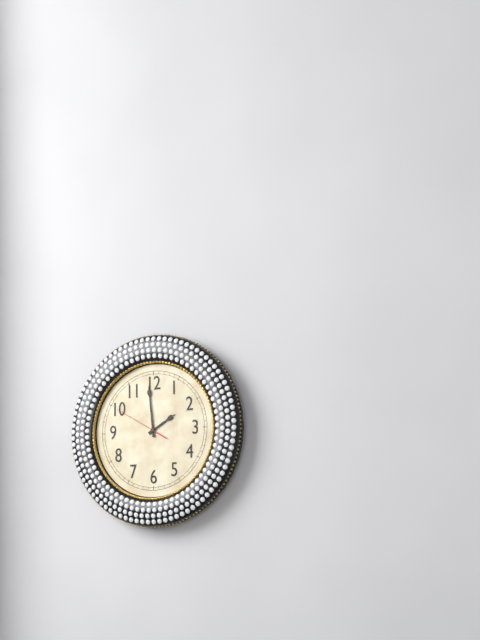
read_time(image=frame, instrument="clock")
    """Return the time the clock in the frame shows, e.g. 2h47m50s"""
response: 1h59m50s
